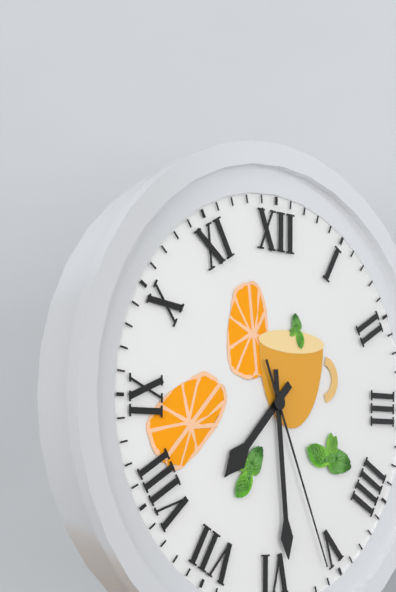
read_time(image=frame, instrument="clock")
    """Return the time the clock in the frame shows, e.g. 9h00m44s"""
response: 7h29m26s
